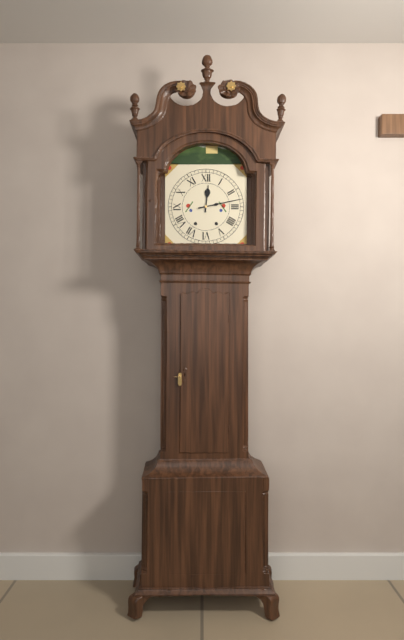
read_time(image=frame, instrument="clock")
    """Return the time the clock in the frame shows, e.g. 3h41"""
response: 12h13
